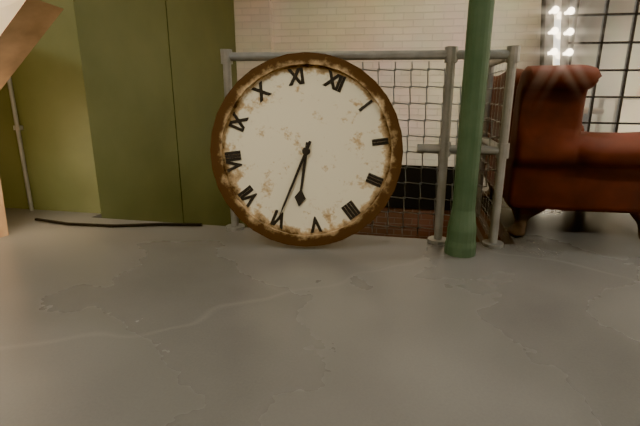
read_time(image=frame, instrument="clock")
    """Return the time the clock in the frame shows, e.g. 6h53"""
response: 5h30
